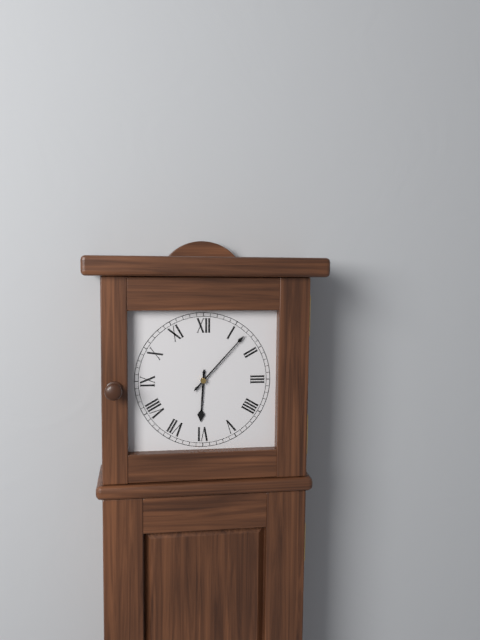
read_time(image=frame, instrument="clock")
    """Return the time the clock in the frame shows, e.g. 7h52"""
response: 6h07
